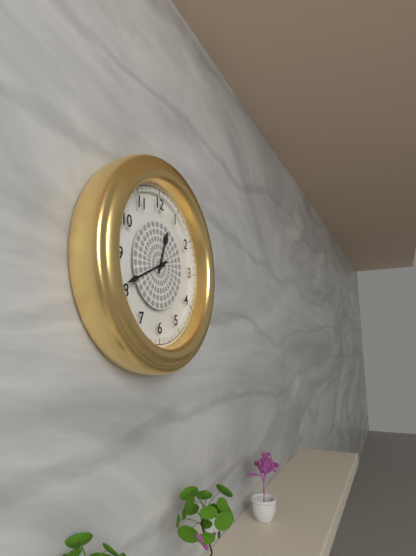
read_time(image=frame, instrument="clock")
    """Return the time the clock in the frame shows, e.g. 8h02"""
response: 12h41
